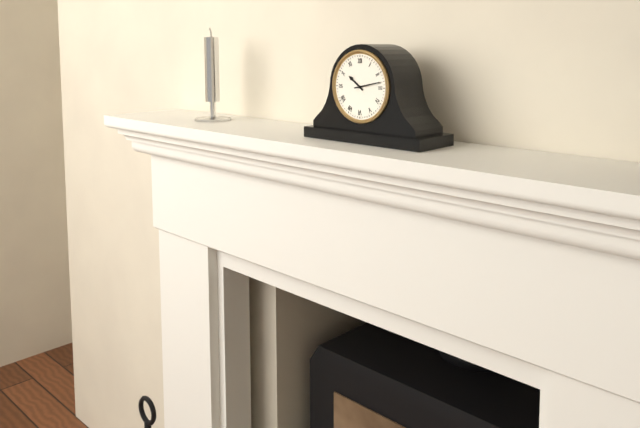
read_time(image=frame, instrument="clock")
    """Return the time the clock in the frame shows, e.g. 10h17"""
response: 10h13
